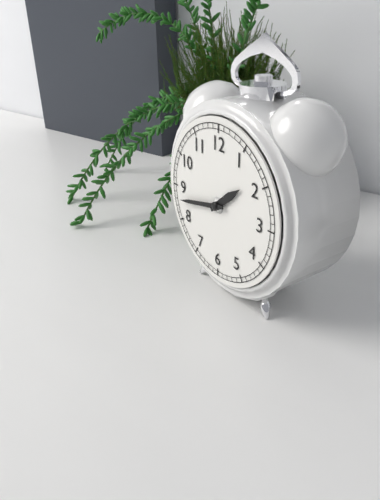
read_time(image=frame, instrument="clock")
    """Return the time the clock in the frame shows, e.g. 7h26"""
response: 1h43
